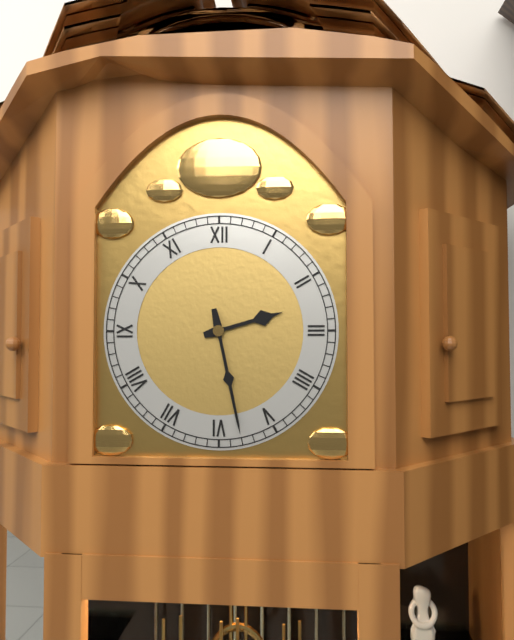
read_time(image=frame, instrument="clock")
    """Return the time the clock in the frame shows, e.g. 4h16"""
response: 2h28
